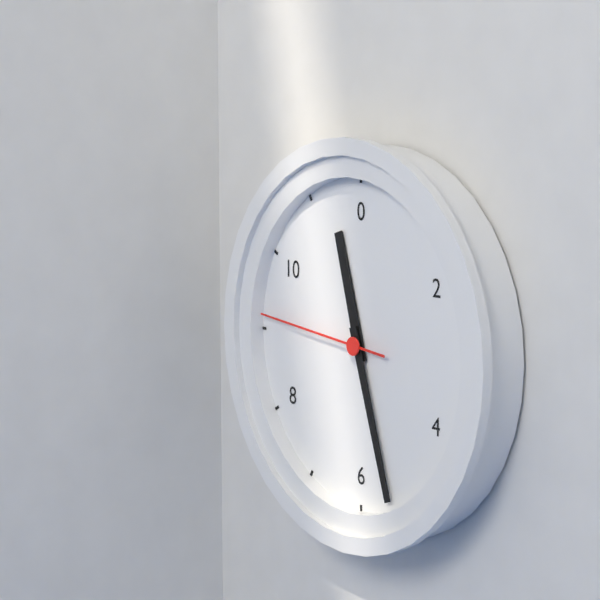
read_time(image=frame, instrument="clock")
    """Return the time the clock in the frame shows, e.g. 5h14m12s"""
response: 11h27m46s
